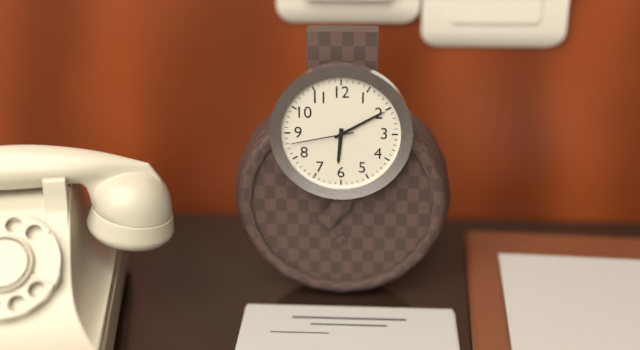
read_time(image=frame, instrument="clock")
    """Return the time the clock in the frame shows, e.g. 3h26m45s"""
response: 6h10m43s
